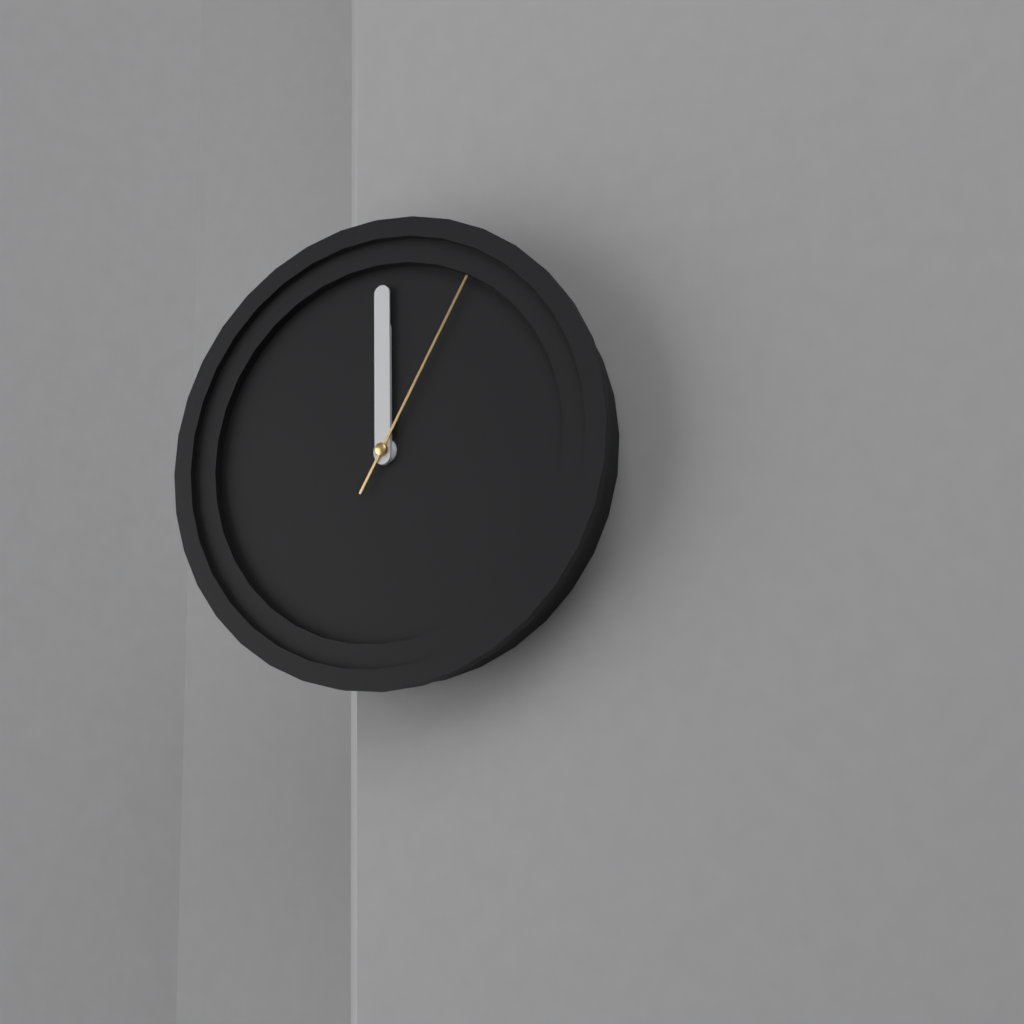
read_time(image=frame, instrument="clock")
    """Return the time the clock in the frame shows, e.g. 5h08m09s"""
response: 12h00m05s
